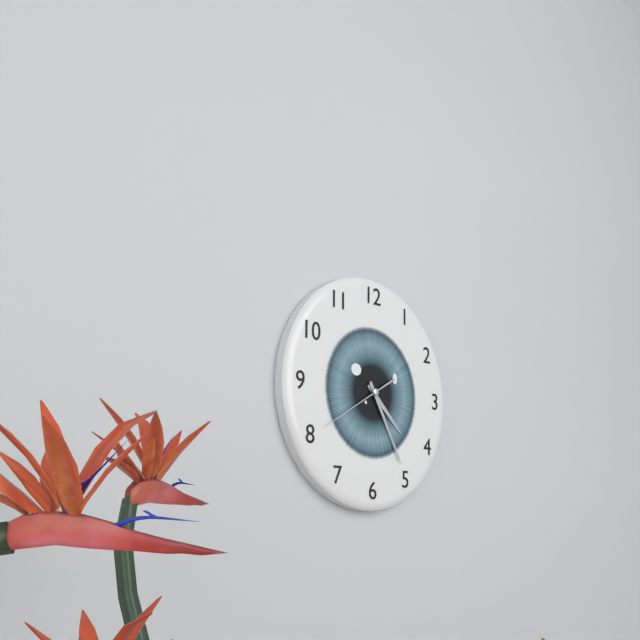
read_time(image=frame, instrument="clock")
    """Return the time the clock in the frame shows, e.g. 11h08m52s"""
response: 4h25m40s
